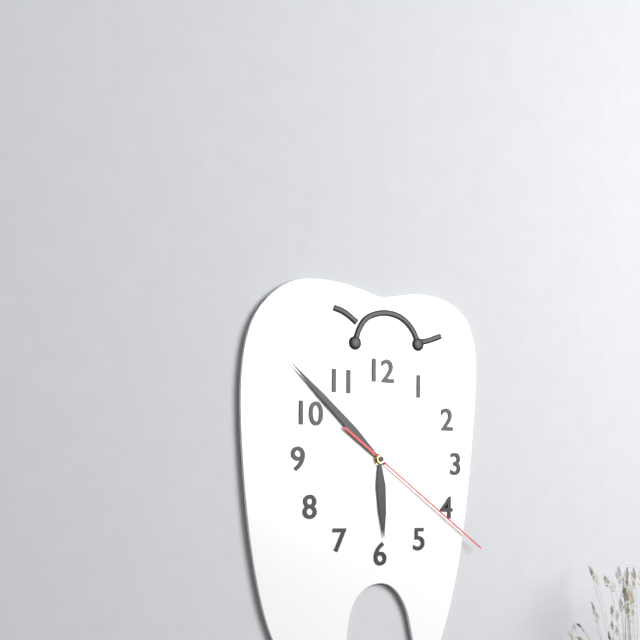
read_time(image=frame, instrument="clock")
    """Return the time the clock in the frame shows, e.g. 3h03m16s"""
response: 5h52m21s
